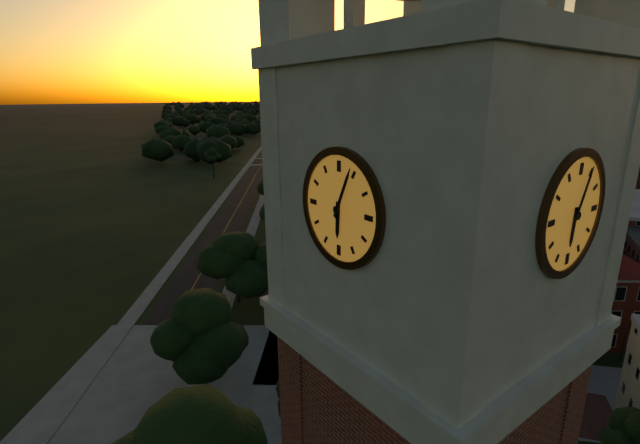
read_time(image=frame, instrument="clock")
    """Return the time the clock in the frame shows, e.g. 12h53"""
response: 6h04
